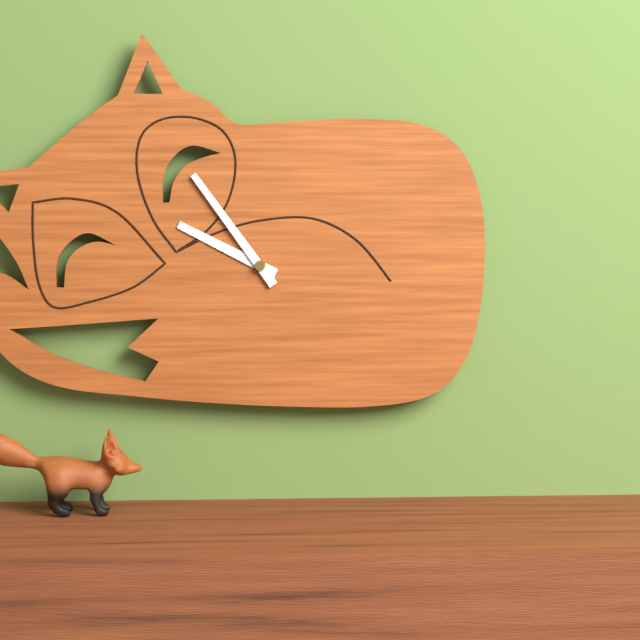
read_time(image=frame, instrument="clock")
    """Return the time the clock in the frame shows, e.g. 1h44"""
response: 9h54
